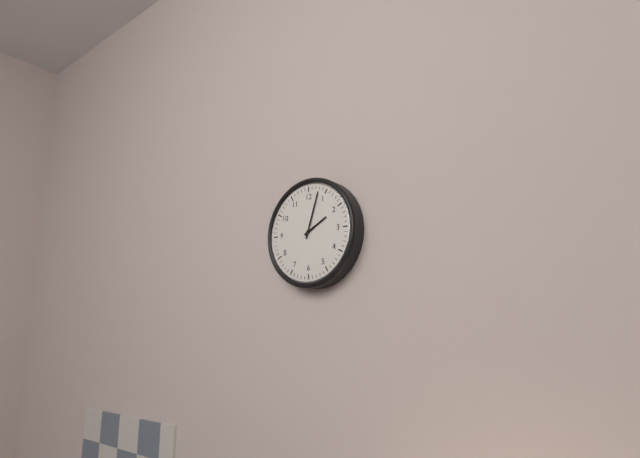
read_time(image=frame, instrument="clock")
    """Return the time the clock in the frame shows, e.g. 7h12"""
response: 2h03
